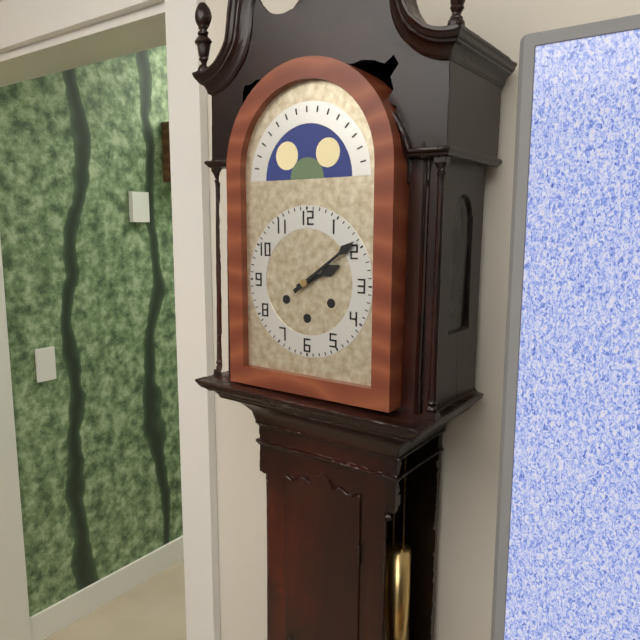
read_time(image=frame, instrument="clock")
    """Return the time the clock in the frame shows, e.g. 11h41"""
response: 2h09
